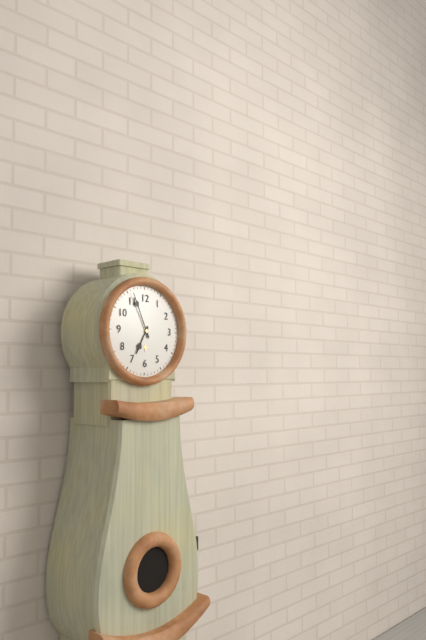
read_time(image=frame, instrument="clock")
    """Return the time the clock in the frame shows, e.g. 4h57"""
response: 6h56
